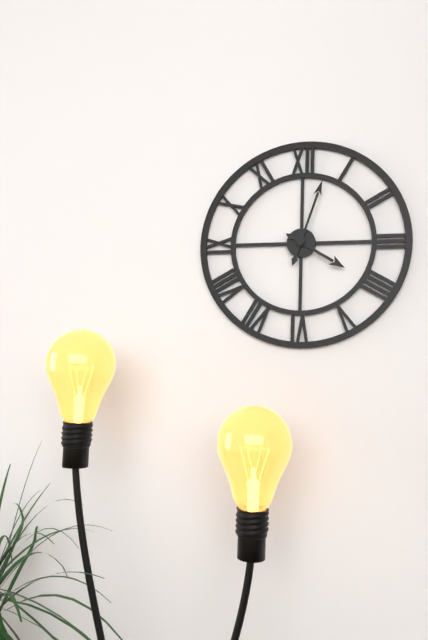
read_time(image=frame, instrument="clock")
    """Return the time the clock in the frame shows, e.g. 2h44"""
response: 4h03
